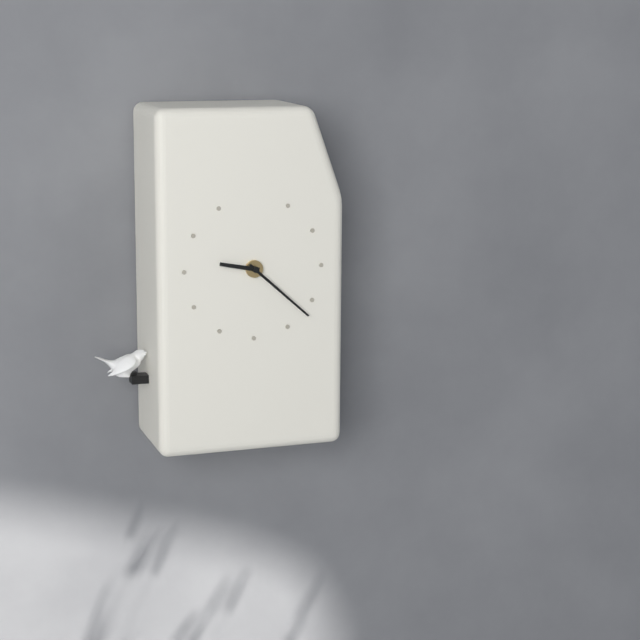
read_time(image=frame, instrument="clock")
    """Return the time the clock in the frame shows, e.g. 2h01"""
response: 9h22
